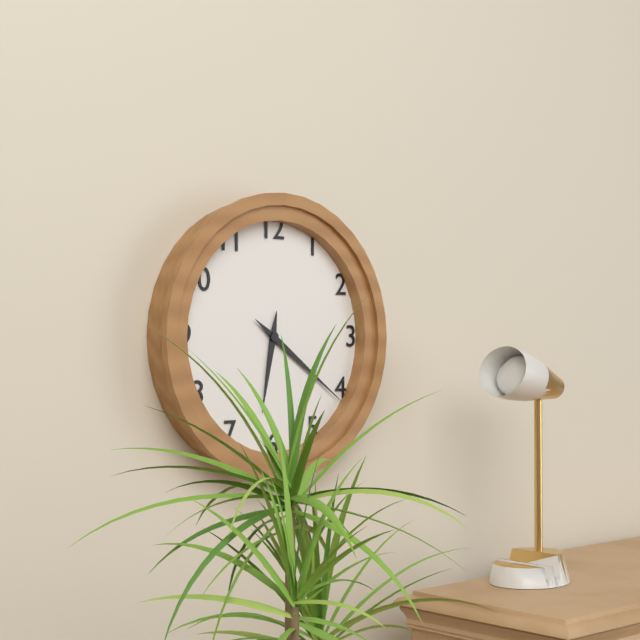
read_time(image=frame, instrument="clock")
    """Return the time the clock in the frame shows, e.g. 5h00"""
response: 6h21
